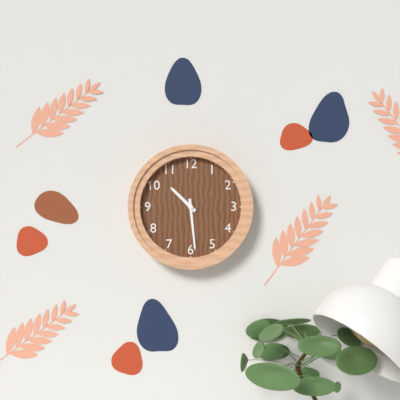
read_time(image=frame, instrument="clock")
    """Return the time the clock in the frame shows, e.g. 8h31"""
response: 10h29
